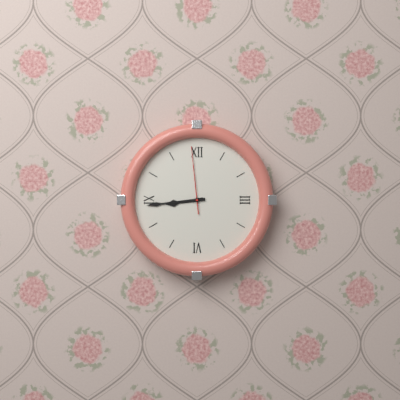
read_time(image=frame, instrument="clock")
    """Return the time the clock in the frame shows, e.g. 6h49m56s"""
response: 8h44m59s
